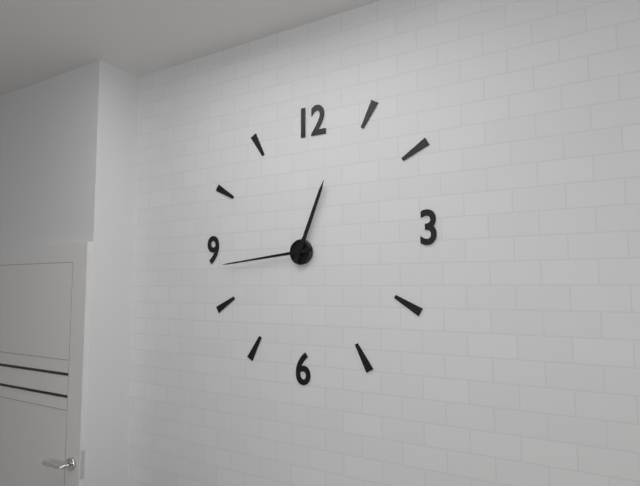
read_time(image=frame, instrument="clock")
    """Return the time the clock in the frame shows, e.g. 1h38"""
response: 12h44
